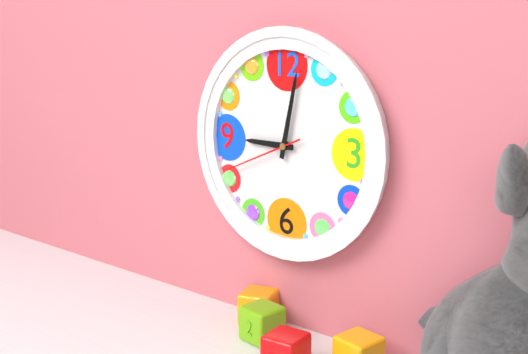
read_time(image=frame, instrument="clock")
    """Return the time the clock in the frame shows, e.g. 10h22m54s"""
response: 9h02m41s
